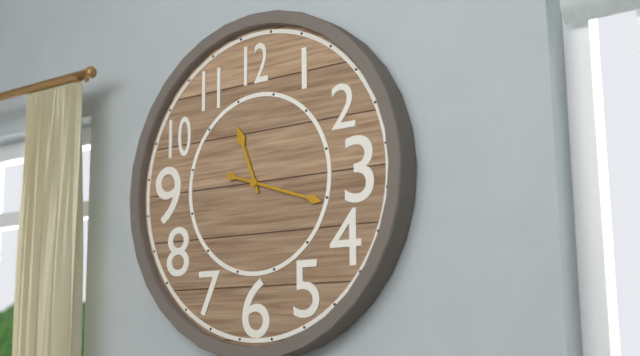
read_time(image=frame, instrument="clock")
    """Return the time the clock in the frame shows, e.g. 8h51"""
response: 11h18
